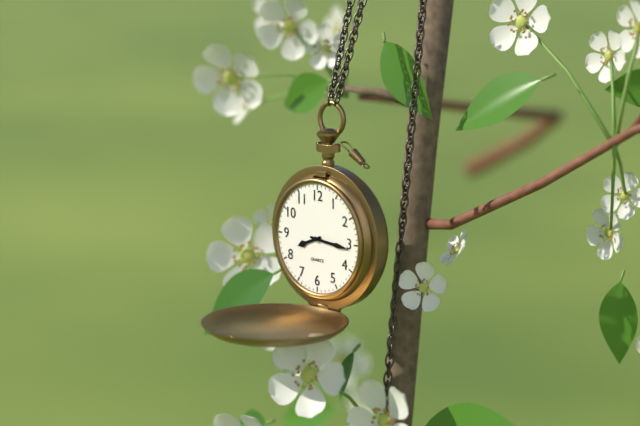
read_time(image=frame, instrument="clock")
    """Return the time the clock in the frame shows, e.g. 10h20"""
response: 8h16
